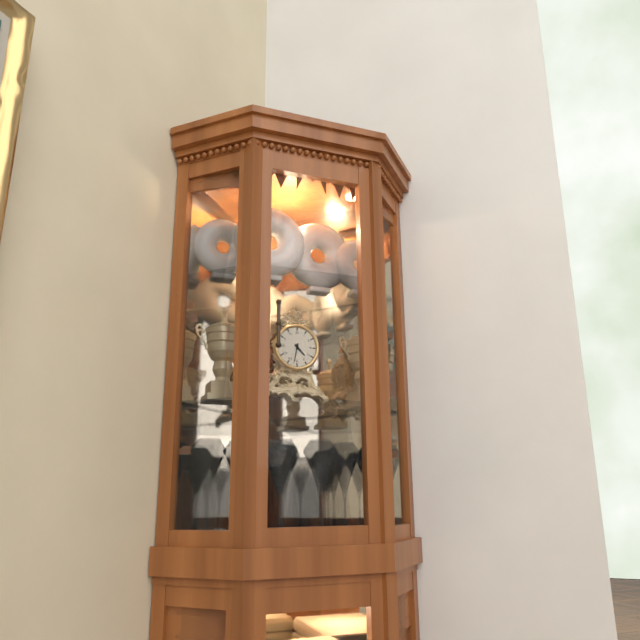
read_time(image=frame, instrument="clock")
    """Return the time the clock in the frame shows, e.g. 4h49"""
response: 4h32
